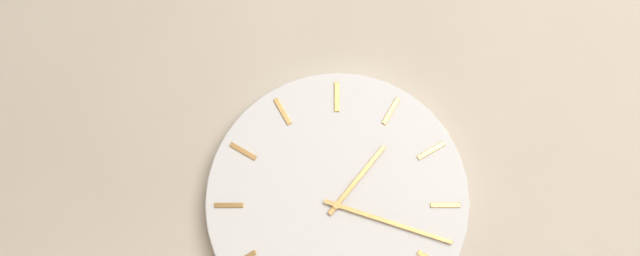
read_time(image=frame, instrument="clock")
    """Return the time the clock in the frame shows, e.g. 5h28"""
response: 1h18
